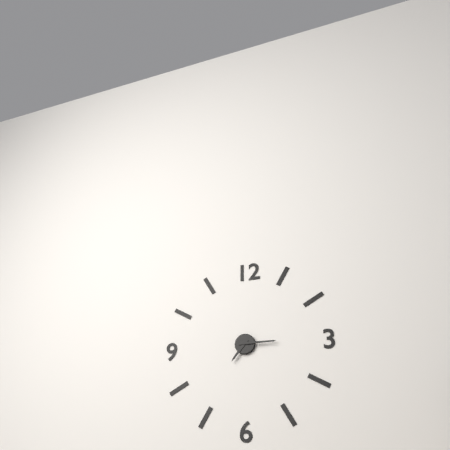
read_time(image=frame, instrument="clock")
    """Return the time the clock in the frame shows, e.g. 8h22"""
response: 7h15
